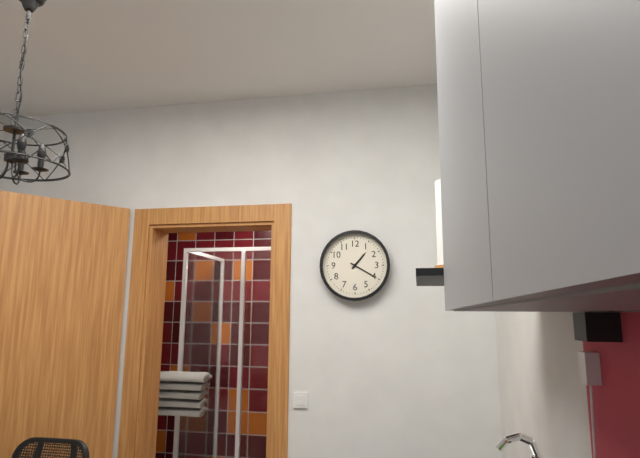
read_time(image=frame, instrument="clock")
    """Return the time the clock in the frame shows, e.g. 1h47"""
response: 1h20
